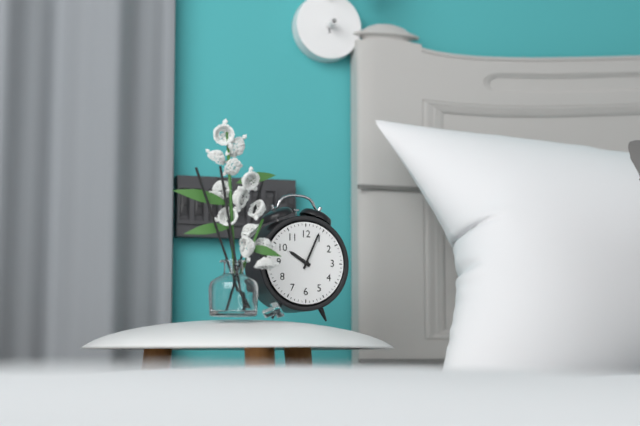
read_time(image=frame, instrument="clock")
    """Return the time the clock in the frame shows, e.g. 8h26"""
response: 10h04
